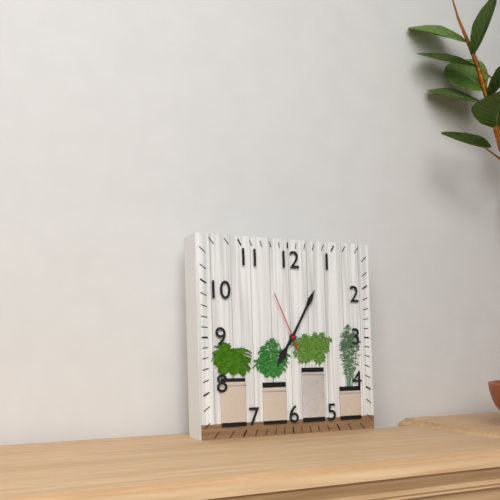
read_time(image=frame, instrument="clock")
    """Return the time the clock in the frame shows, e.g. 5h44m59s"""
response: 7h05m56s
